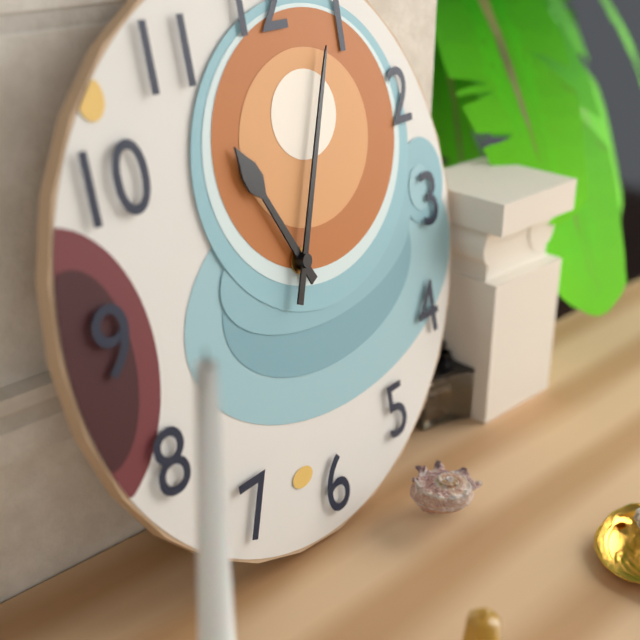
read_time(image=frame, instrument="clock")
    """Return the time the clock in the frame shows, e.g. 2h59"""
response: 11h04
